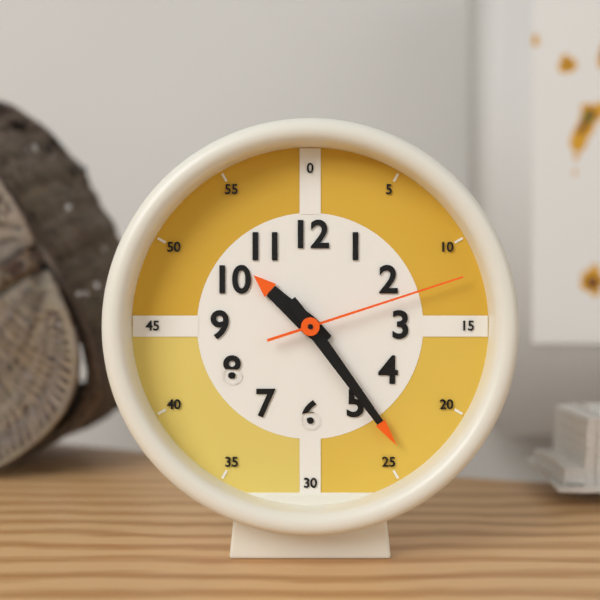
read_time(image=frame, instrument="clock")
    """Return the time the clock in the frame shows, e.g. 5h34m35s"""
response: 10h24m12s
